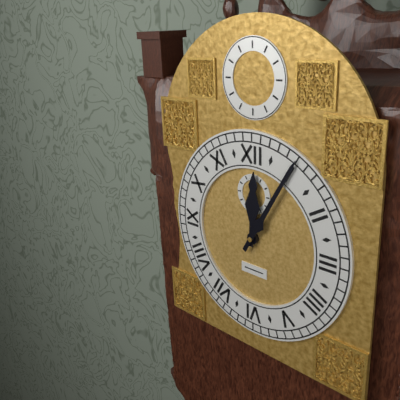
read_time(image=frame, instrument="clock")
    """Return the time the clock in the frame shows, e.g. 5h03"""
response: 12h05
